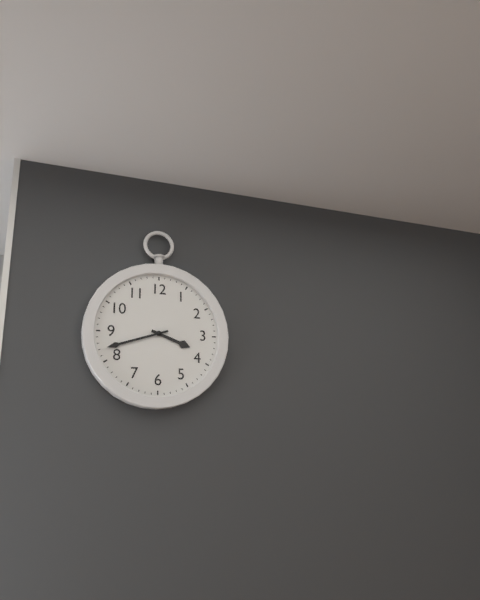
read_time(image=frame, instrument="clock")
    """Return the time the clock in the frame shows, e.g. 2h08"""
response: 3h42
